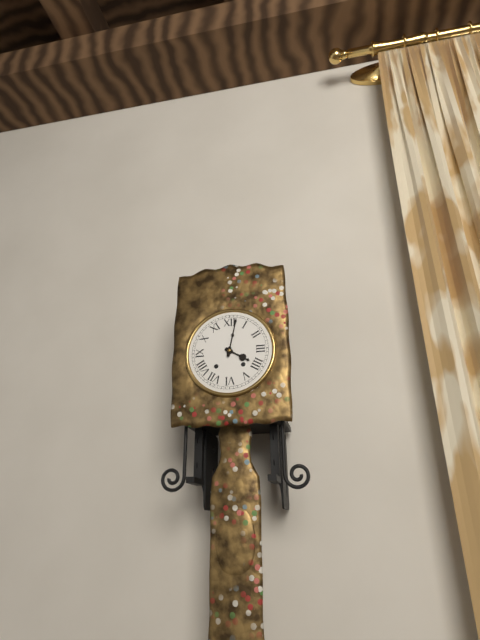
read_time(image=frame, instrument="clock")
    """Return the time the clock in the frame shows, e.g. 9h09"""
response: 4h02
